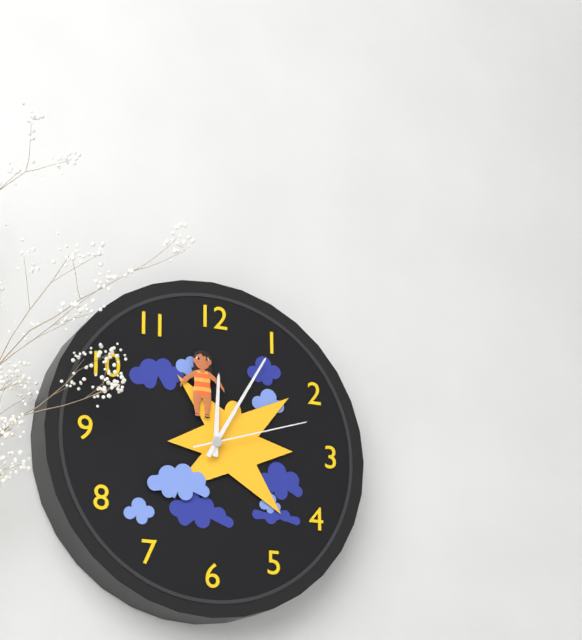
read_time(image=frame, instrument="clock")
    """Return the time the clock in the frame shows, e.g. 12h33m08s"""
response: 12h05m12s
